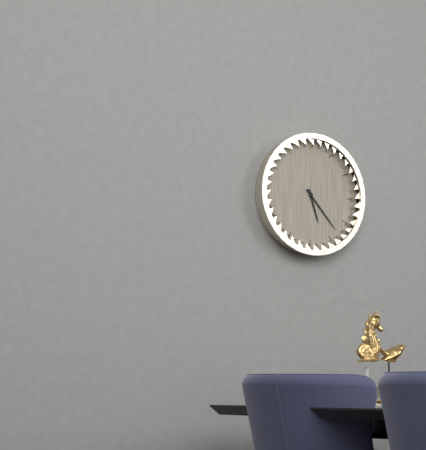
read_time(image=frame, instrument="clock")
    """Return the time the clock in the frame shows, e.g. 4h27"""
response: 5h23
